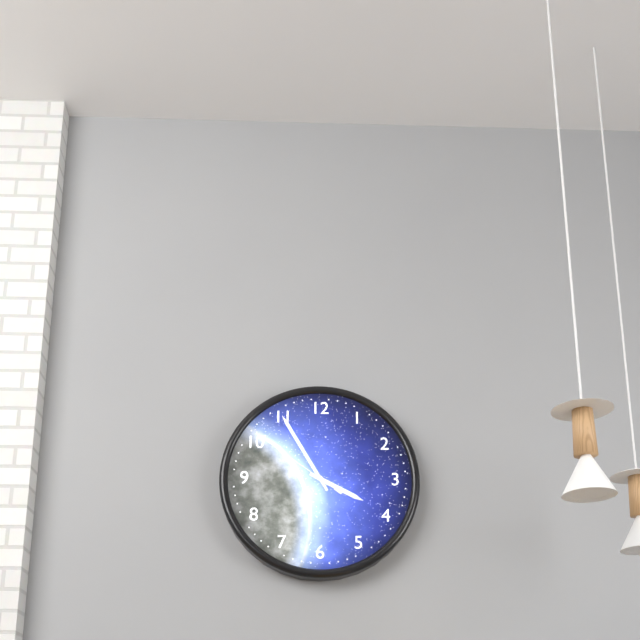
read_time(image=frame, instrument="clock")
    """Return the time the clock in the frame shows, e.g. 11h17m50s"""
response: 3h55m51s
